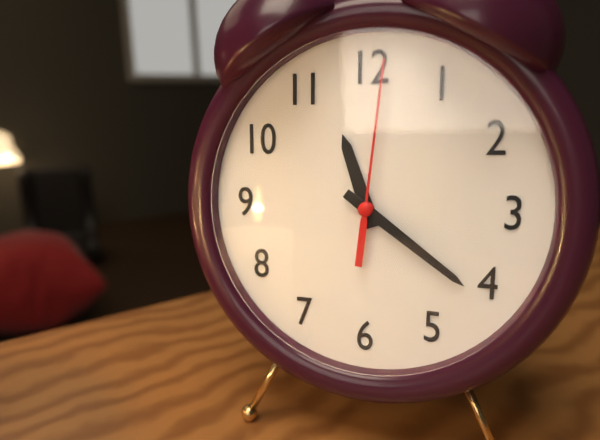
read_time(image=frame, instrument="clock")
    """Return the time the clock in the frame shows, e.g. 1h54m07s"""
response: 11h21m01s
